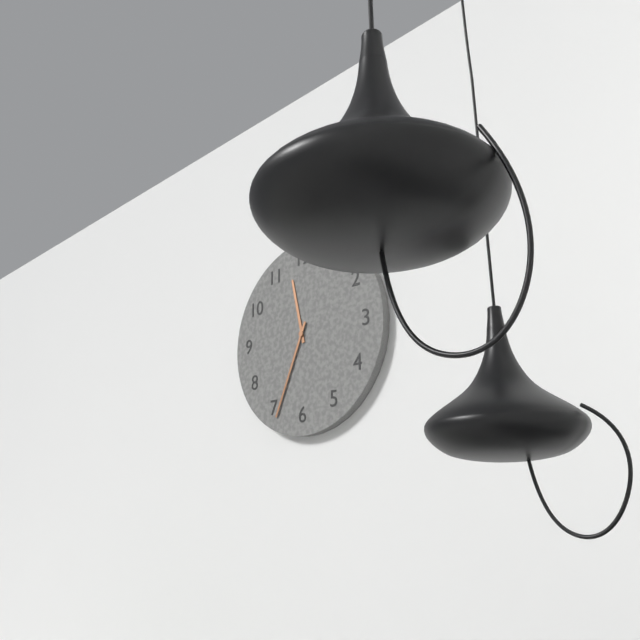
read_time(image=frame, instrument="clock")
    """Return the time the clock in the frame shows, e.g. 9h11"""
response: 11h34
